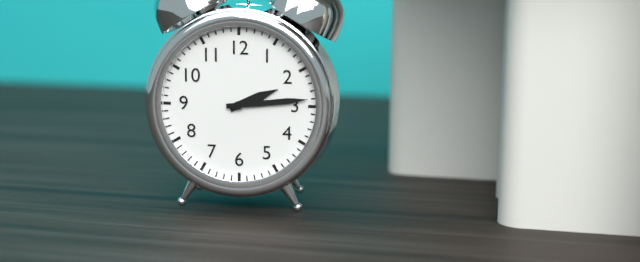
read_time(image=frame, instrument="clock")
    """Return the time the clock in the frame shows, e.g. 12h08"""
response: 2h14
